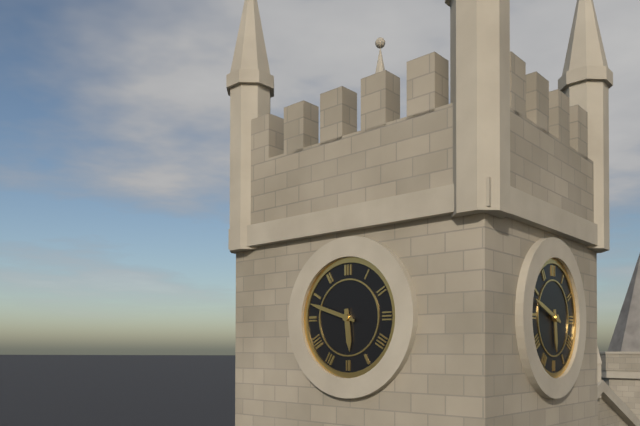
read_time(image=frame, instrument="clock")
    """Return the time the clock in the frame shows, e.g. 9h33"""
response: 5h48
